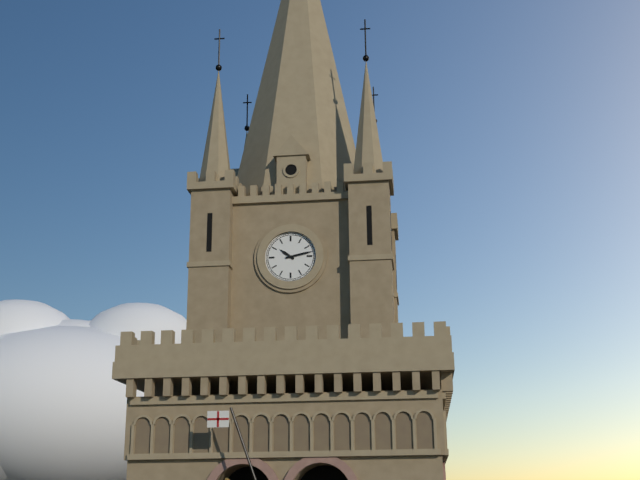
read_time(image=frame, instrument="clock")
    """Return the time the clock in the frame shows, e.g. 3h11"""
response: 10h13
